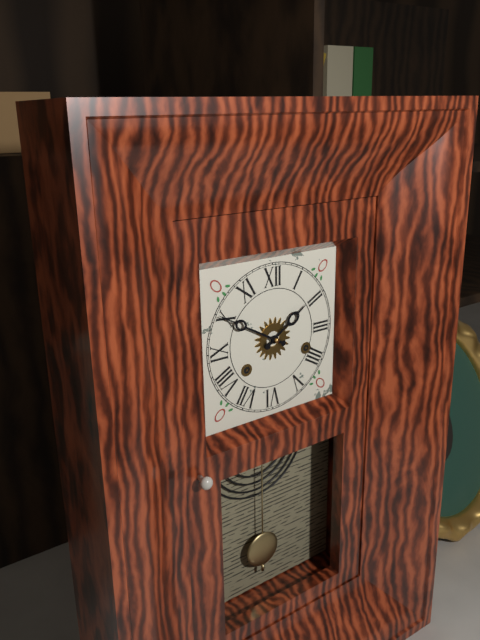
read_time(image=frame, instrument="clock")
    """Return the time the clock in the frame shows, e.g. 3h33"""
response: 1h50
